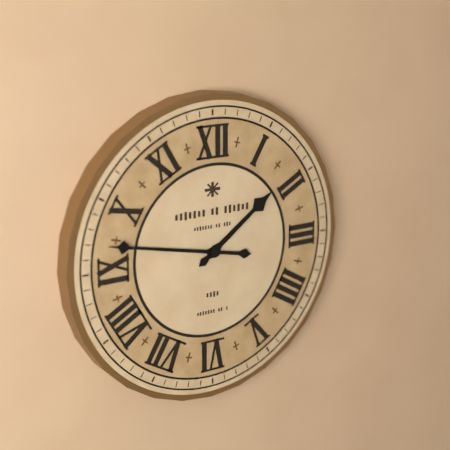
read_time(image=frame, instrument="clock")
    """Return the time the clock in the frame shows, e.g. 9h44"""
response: 1h47
